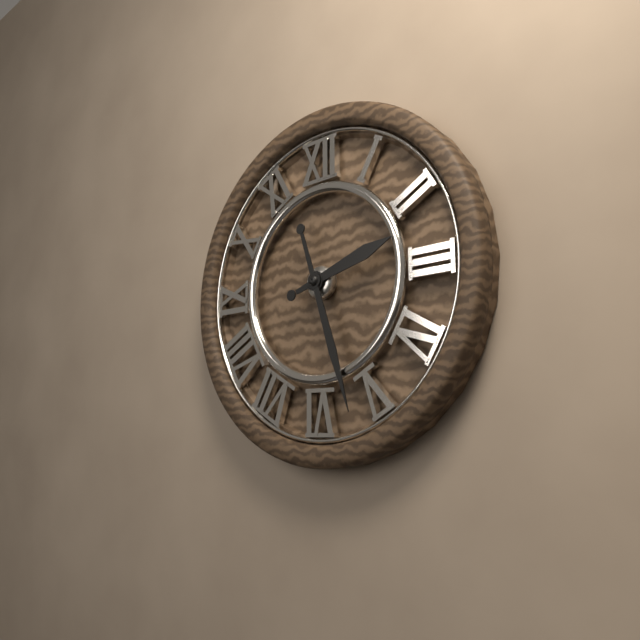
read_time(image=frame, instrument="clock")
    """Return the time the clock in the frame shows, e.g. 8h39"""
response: 2h27
